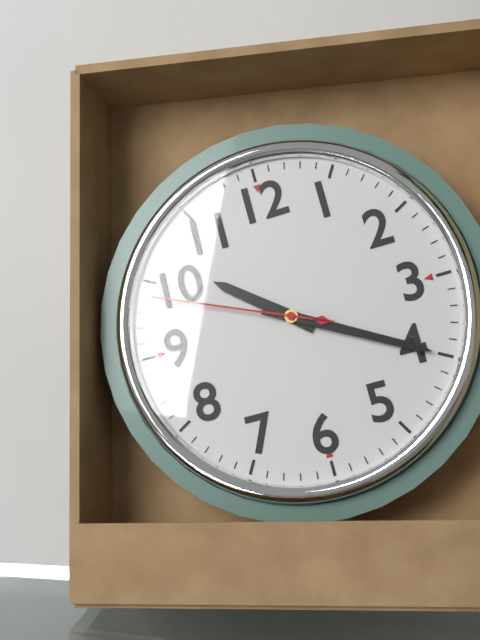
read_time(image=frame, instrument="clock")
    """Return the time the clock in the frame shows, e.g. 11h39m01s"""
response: 10h20m49s
